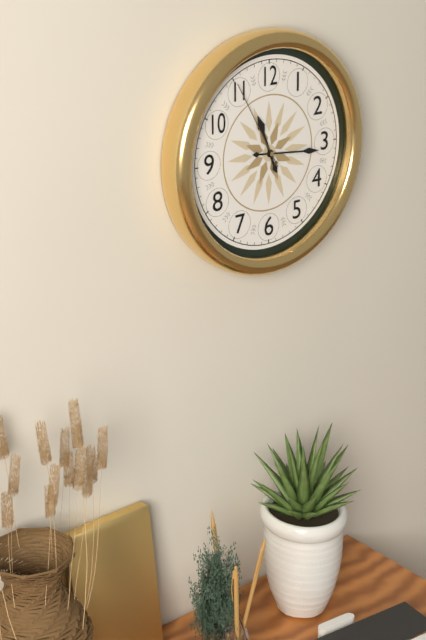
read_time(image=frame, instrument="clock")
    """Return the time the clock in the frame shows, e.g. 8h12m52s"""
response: 11h16m55s
